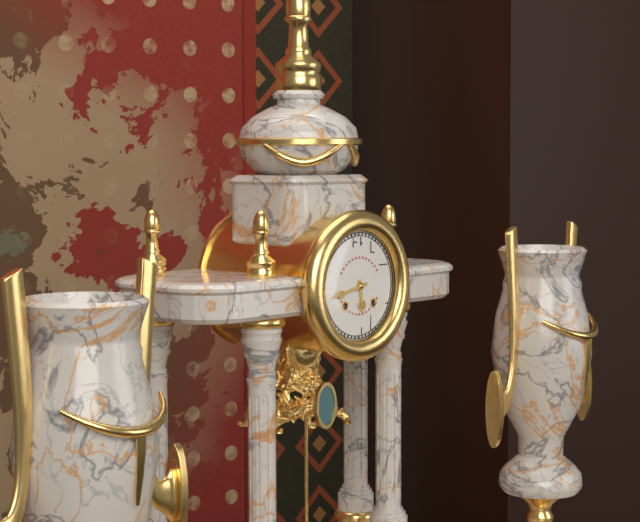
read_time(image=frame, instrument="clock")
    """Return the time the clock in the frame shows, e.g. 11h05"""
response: 5h43
